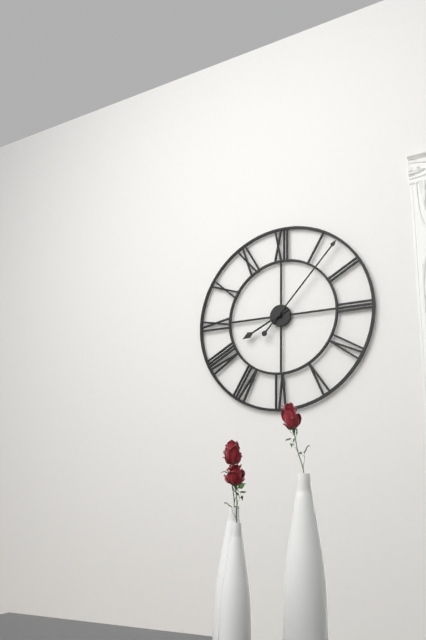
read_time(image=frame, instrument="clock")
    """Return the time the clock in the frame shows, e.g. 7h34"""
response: 8h07
